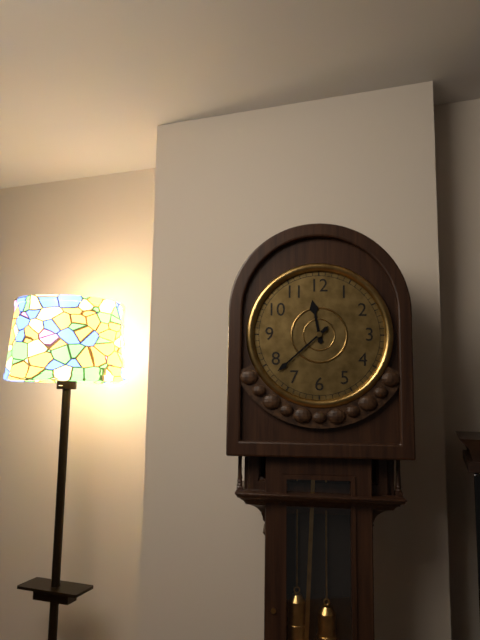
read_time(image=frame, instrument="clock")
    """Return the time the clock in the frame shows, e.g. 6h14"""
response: 11h38
